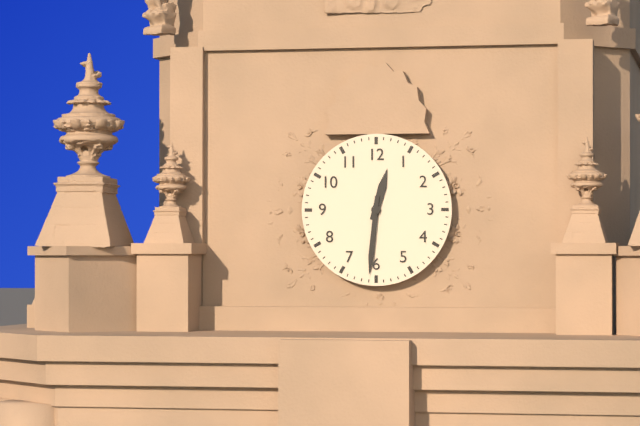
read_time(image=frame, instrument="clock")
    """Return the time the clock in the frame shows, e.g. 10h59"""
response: 12h31
